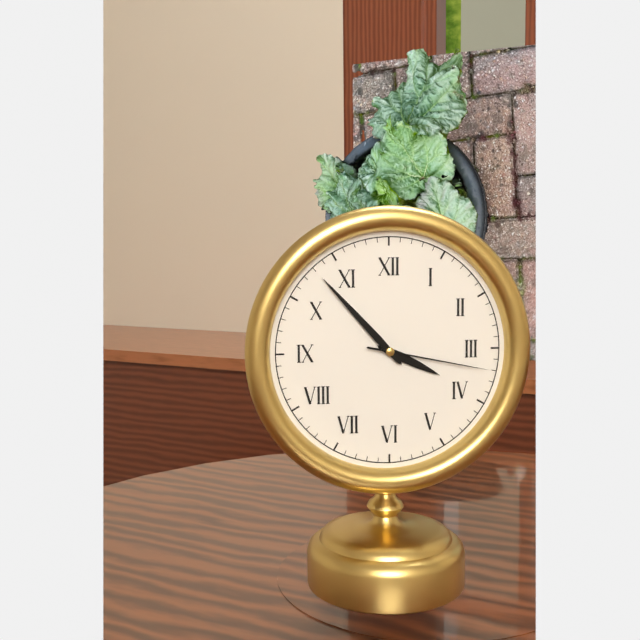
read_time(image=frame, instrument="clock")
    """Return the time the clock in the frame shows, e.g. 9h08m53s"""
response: 3h53m17s
